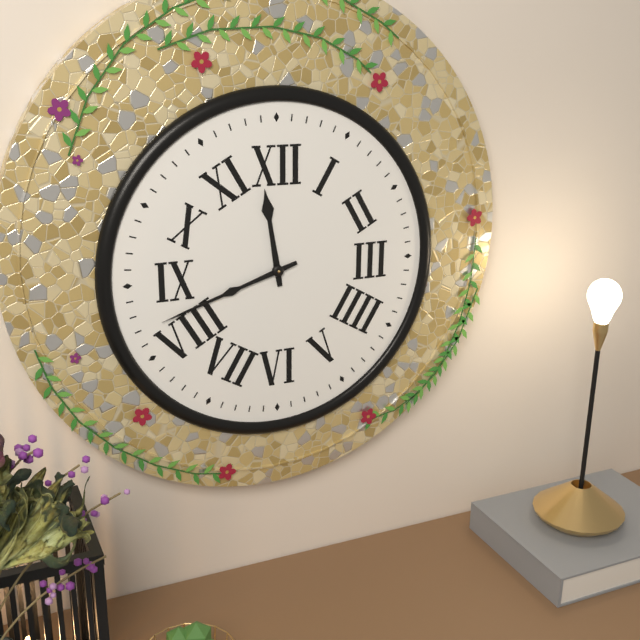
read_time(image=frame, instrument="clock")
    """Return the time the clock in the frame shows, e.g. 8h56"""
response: 11h42
